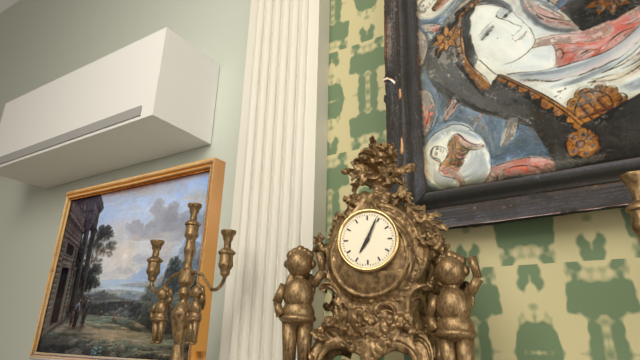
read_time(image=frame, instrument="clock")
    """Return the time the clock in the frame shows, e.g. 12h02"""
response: 7h04
